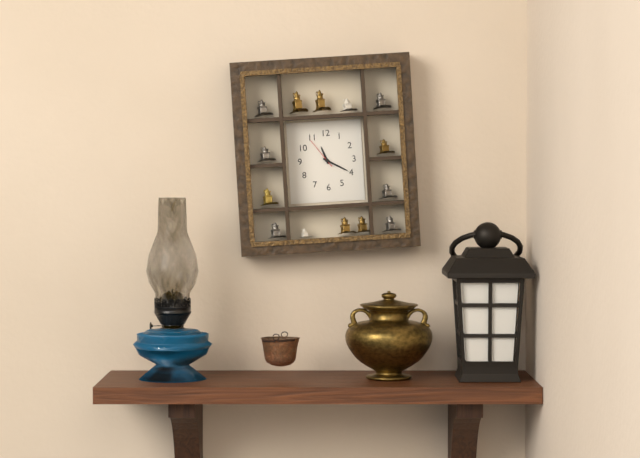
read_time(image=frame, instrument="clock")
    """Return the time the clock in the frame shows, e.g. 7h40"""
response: 11h20
